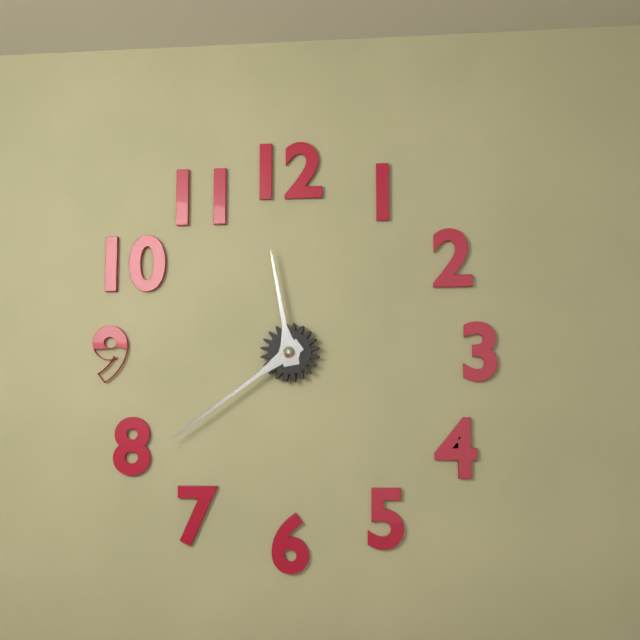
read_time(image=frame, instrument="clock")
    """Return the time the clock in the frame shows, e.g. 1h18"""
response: 11h39
